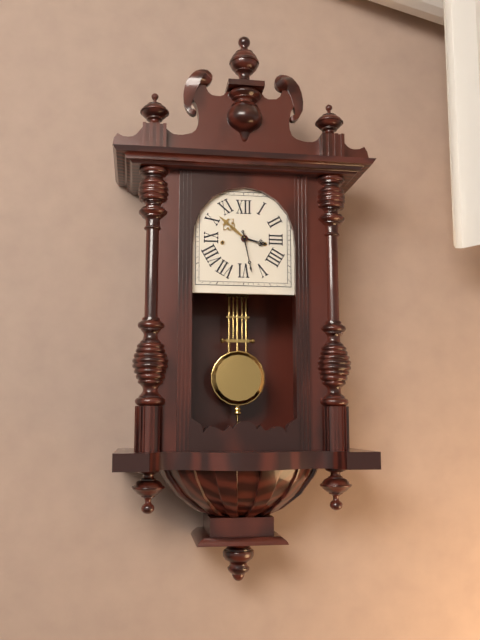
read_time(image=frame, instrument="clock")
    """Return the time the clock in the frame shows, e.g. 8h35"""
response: 3h28
